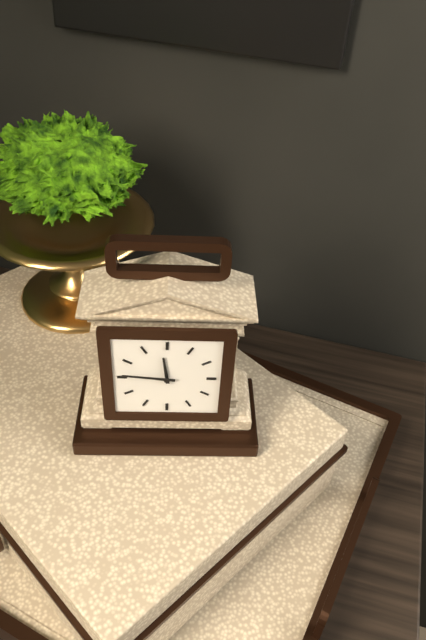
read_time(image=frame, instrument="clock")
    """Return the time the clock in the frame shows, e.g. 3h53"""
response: 11h46
